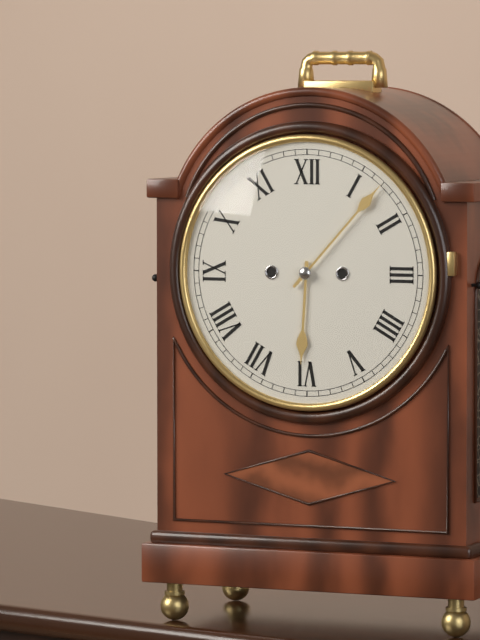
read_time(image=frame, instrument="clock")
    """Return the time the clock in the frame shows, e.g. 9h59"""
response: 6h07
